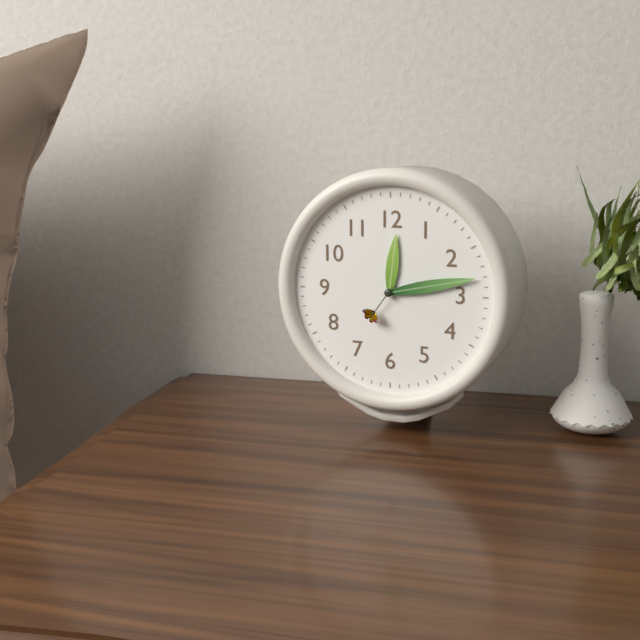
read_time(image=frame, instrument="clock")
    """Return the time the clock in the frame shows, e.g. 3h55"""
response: 12h13
